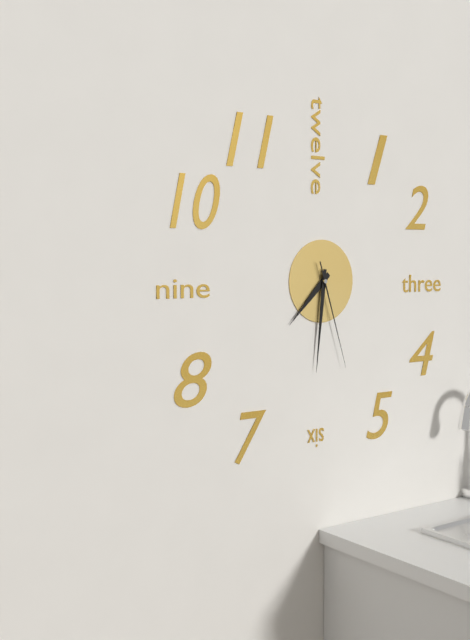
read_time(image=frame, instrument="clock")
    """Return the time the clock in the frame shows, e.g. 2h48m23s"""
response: 7h31m27s
